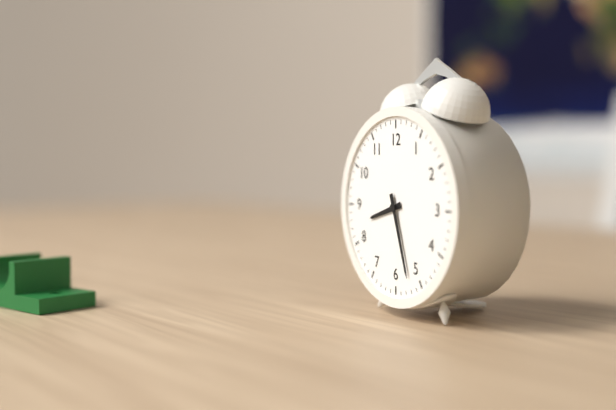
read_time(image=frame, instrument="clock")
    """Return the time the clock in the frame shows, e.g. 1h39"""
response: 8h27
